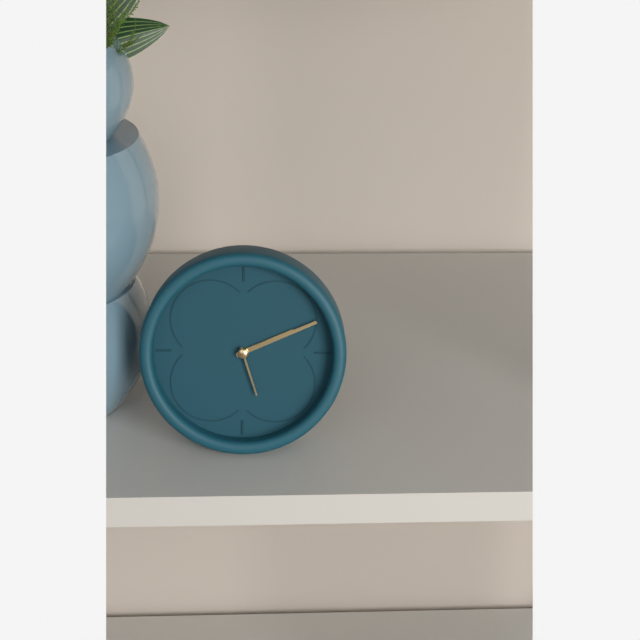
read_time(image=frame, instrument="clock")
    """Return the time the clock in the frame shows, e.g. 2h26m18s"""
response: 2h11m27s
